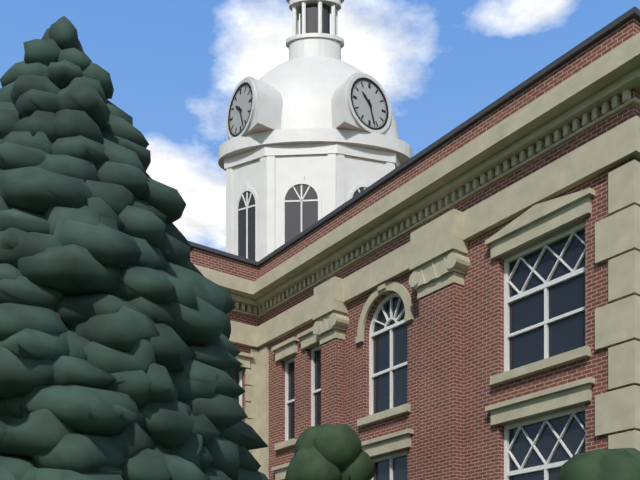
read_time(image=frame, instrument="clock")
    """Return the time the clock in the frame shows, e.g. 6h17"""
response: 10h27
